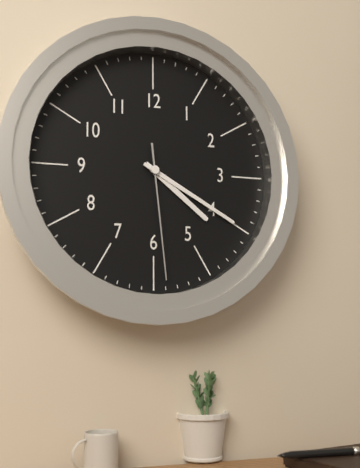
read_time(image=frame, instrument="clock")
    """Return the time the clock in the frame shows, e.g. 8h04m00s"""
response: 4h20m29s
